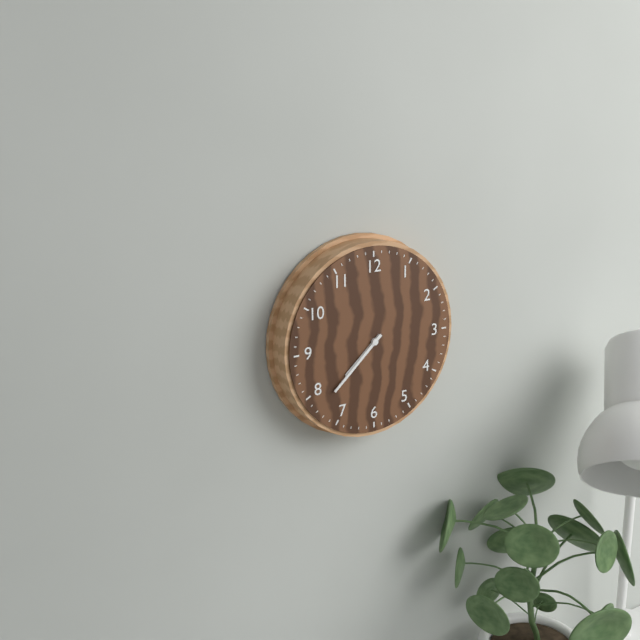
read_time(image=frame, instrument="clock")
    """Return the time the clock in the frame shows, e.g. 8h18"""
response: 7h38
